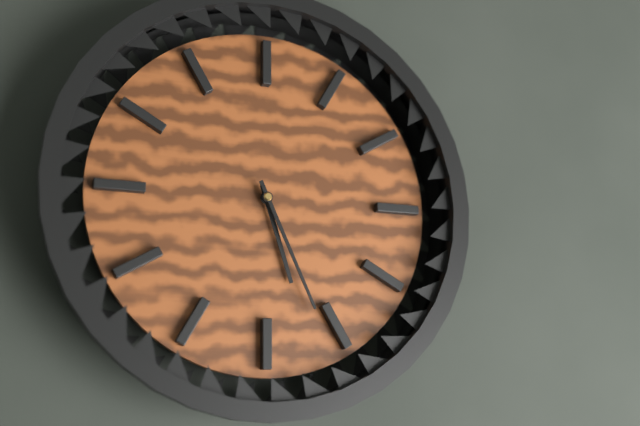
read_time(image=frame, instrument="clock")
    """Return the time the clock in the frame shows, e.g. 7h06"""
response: 5h26
